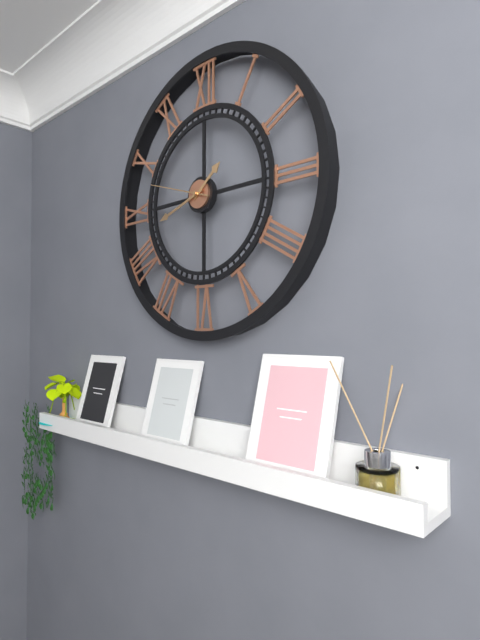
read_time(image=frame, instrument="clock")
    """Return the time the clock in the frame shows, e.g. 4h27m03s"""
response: 1h42m48s
